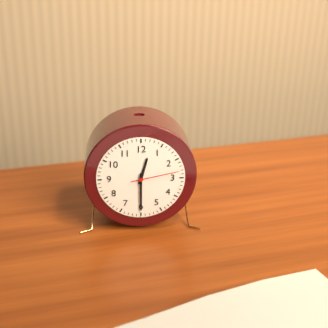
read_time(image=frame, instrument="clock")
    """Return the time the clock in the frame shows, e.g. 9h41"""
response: 12h30
